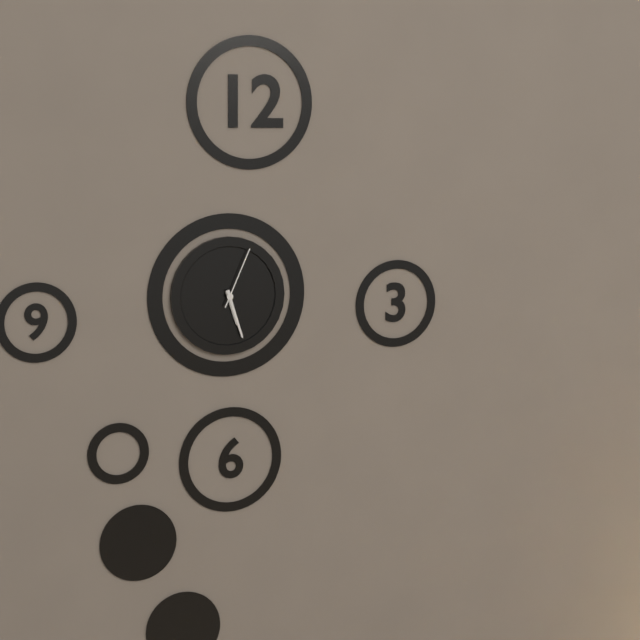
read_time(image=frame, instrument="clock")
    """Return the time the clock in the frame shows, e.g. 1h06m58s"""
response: 5h27m04s
